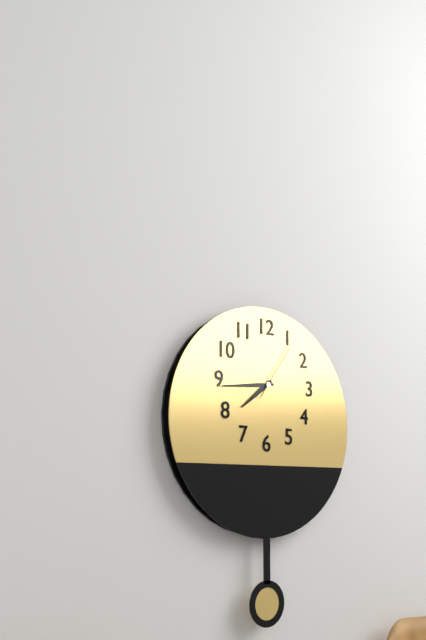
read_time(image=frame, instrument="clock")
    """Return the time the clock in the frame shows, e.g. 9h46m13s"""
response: 7h44m06s
